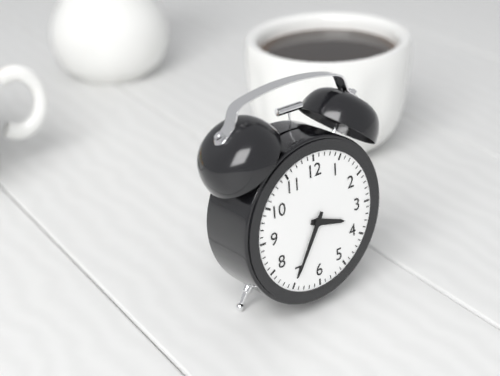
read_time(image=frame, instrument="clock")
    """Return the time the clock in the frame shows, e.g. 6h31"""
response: 3h35
